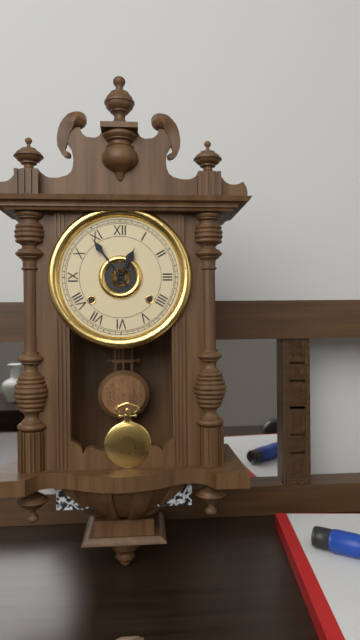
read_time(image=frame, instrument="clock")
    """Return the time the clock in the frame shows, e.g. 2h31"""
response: 12h54
